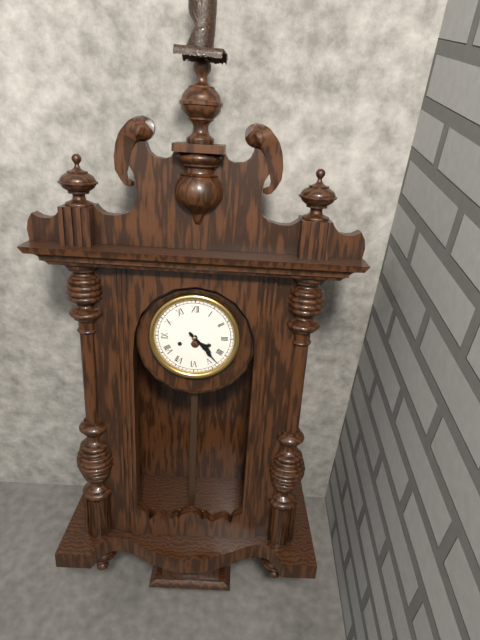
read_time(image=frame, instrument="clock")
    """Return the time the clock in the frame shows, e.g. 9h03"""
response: 4h23
